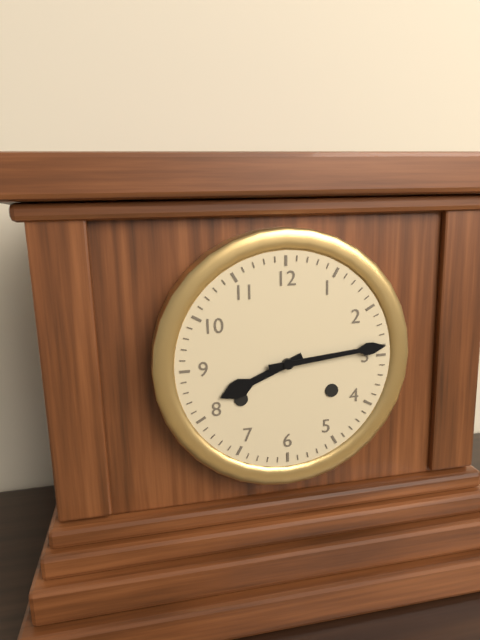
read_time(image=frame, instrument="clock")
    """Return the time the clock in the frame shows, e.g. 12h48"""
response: 8h14
